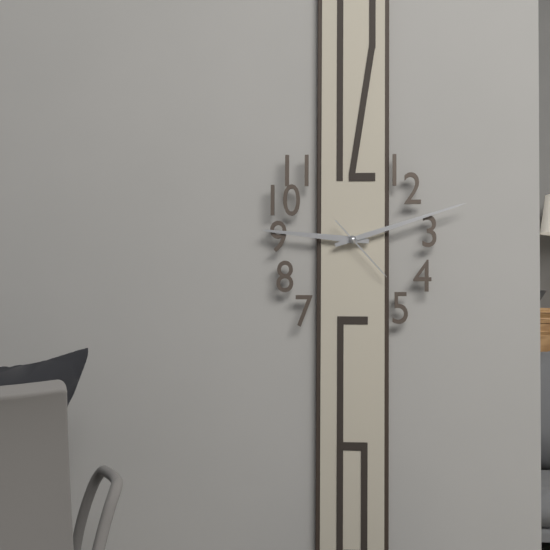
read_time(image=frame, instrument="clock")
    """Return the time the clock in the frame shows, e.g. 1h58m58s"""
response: 9h12m23s
